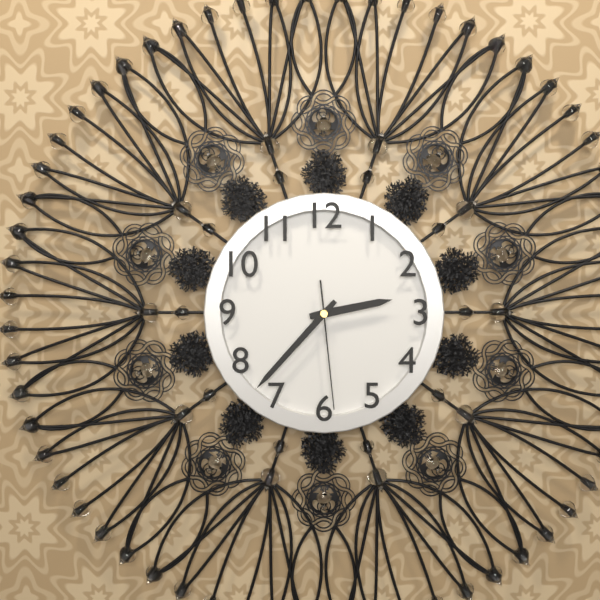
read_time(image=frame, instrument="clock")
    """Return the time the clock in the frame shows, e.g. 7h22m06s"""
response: 2h37m29s
